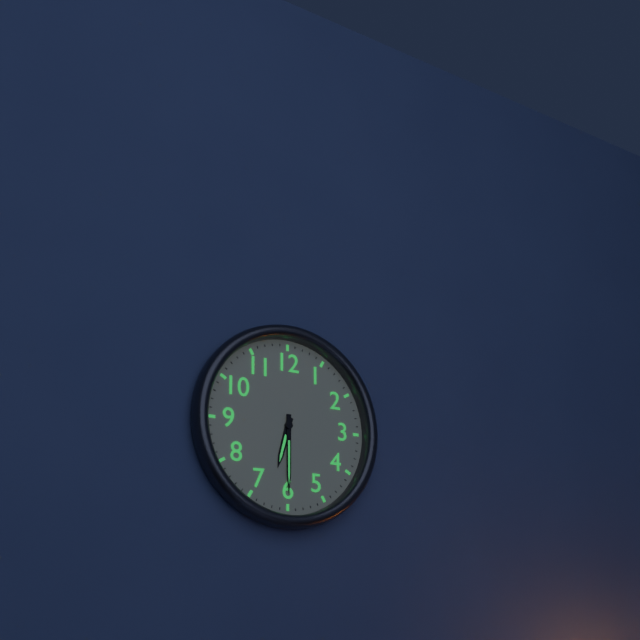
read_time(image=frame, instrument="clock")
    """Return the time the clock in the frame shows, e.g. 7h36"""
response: 6h30
